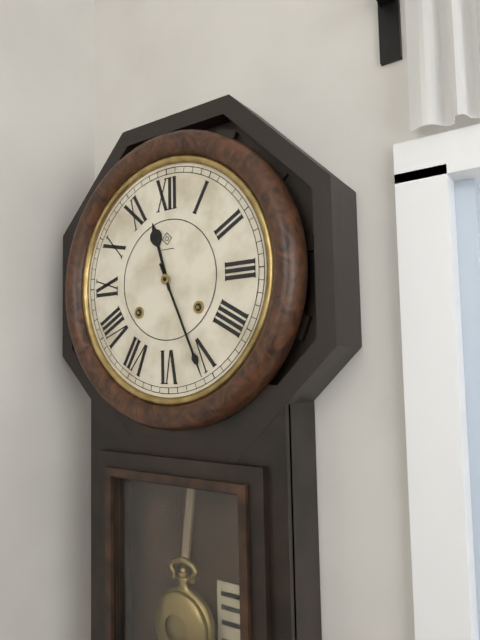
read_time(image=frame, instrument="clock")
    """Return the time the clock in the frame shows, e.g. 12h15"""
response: 11h26
